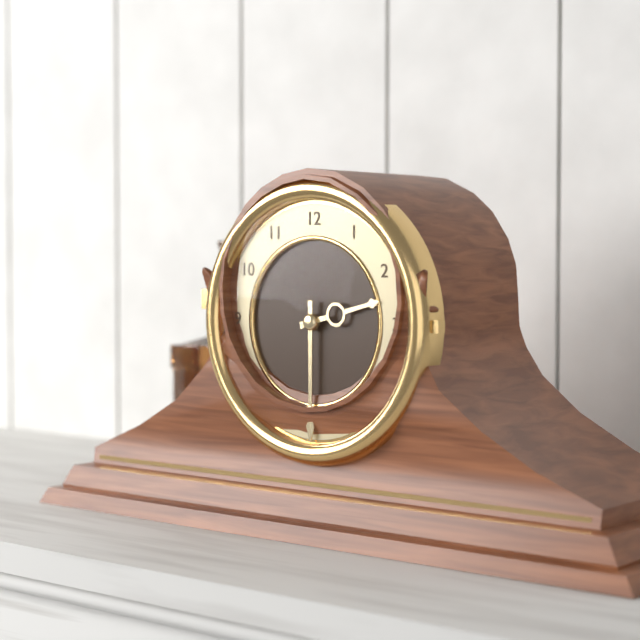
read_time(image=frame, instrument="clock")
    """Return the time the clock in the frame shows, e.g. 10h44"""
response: 2h30
